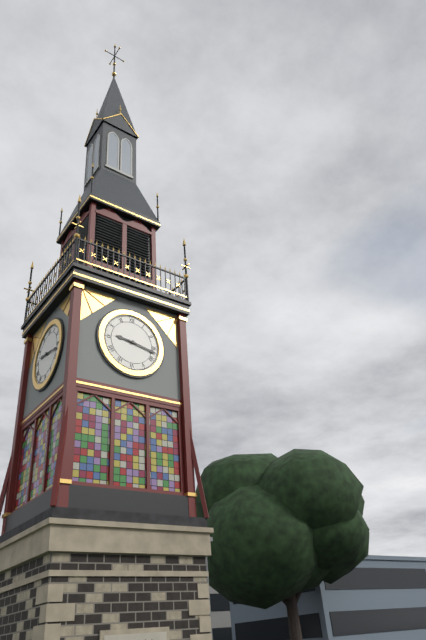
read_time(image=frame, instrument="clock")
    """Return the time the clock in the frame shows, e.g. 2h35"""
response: 9h17
